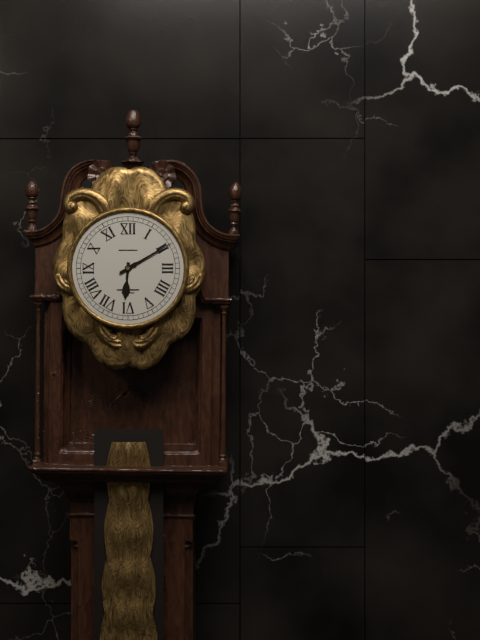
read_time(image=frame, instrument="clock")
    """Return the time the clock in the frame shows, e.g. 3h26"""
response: 6h10
